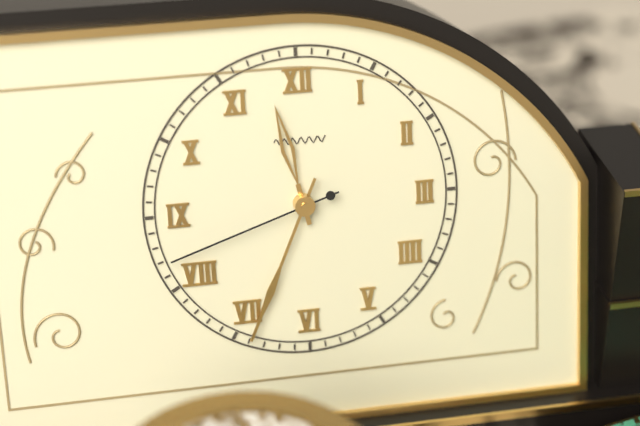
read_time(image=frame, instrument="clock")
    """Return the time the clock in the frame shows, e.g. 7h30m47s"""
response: 11h34m42s
